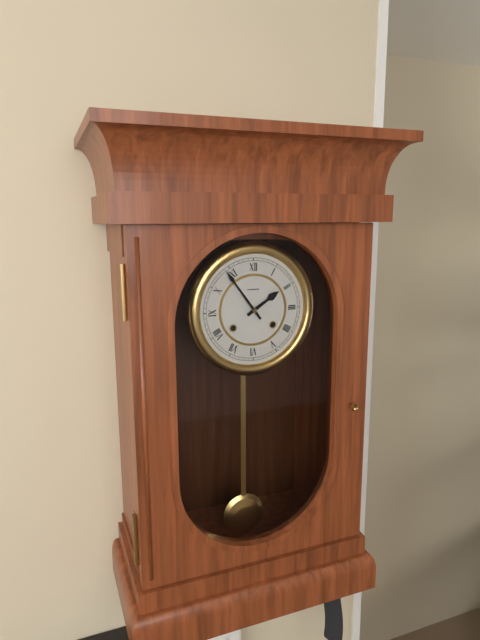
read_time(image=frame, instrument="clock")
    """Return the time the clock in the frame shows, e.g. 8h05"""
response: 1h54
